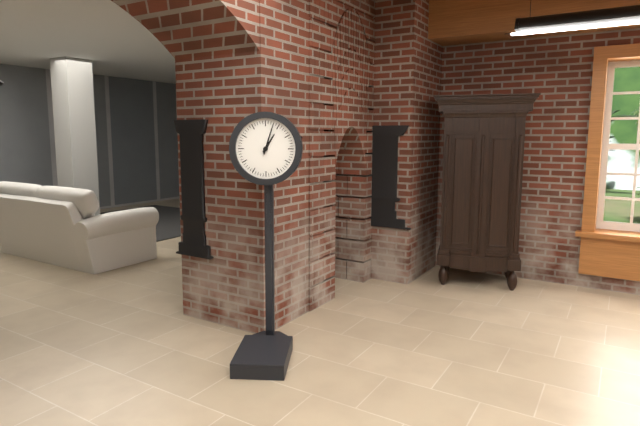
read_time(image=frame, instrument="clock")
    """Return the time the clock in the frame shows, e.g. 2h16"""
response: 1h03
